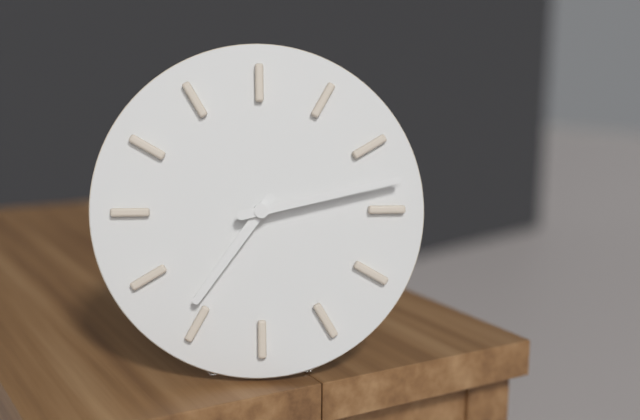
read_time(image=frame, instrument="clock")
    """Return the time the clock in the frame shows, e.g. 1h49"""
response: 7h13
